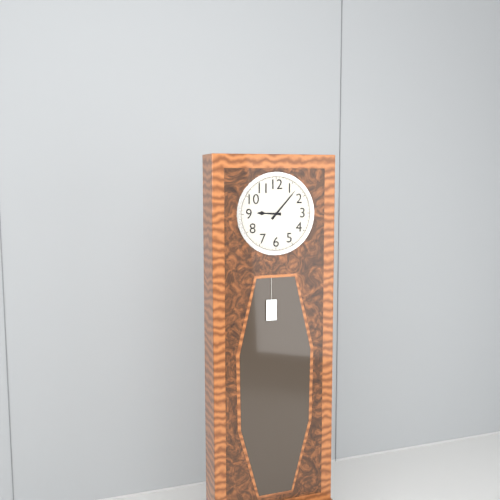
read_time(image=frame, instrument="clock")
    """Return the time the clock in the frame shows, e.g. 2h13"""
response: 9h07
